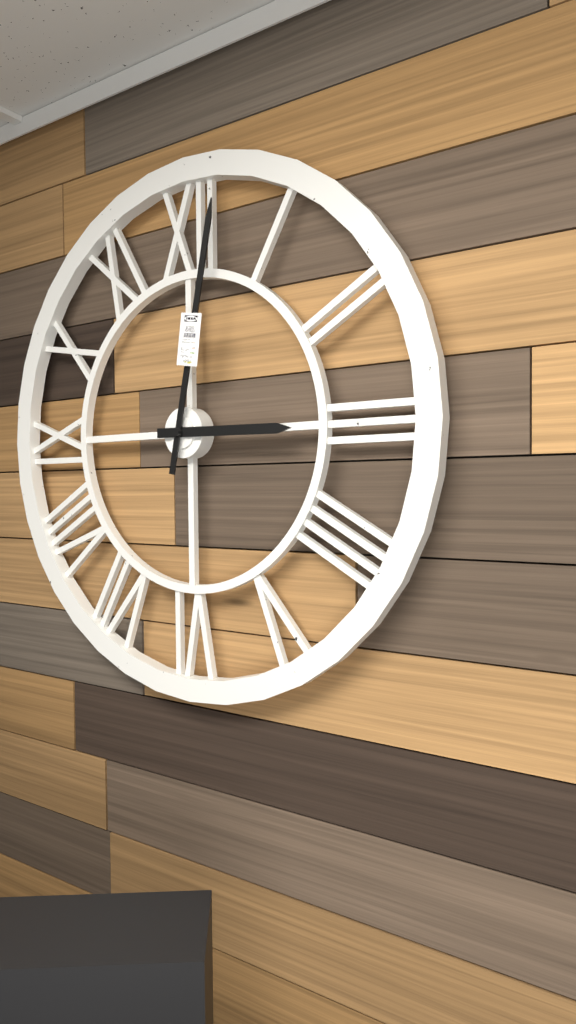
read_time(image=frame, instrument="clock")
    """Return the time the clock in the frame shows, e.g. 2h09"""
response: 3h02
